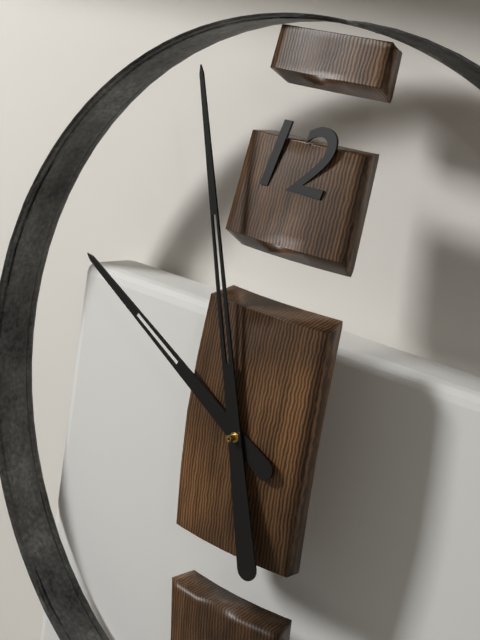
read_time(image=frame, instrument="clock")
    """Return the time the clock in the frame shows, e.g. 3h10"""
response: 9h57
